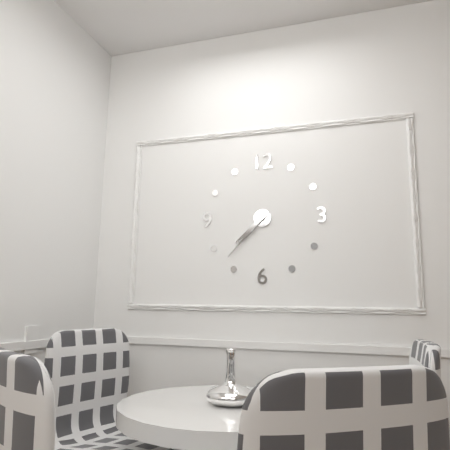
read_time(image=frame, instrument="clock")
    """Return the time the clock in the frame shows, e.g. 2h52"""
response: 7h37
